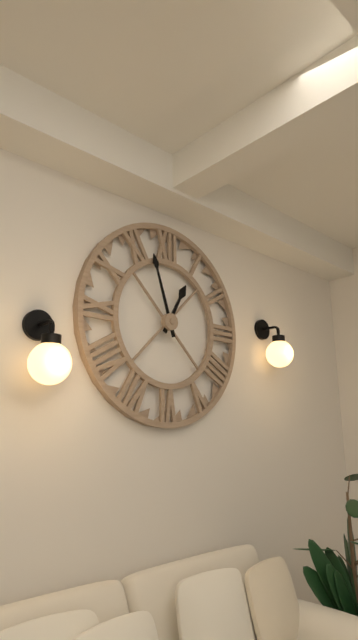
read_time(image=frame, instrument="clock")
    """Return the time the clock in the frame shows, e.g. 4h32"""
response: 12h57
